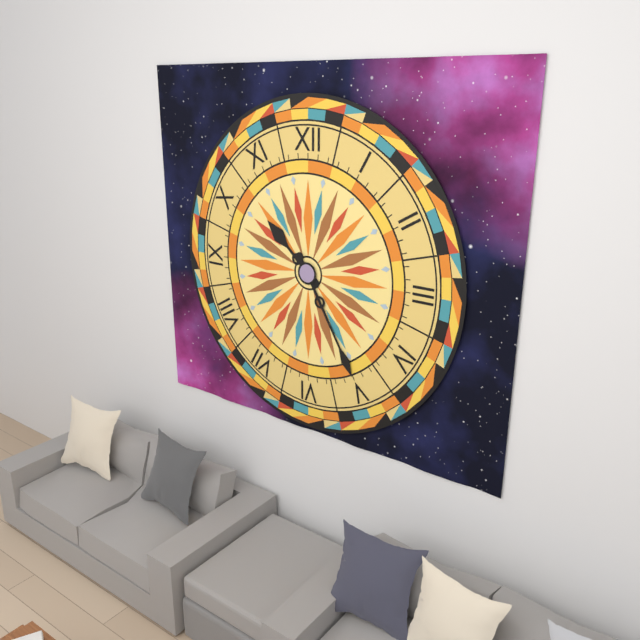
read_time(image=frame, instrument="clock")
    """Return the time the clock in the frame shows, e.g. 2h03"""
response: 10h25
